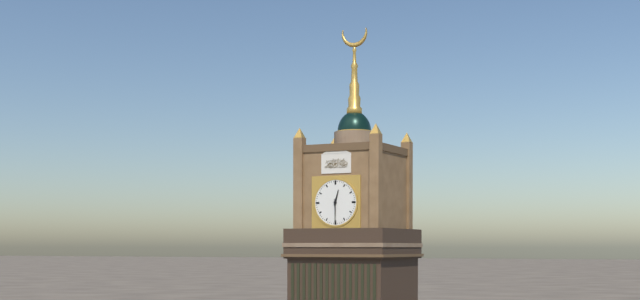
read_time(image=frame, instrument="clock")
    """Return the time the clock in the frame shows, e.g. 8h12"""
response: 12h30
